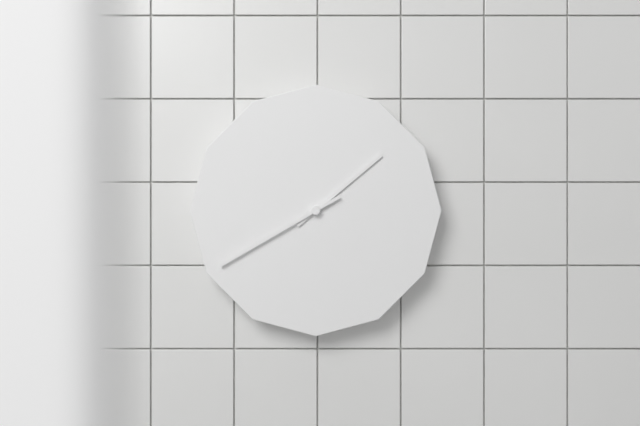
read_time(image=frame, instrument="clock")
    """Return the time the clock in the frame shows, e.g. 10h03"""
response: 1h40
